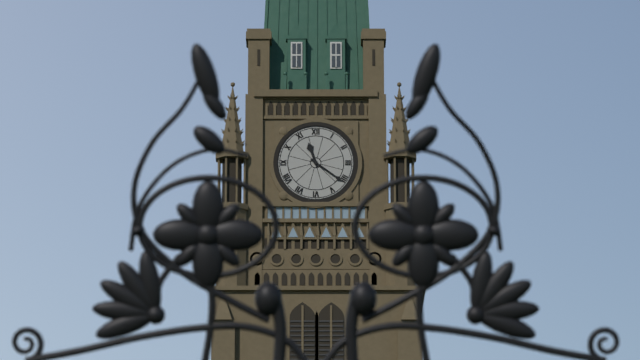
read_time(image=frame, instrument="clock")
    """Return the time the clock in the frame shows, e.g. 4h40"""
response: 11h21
